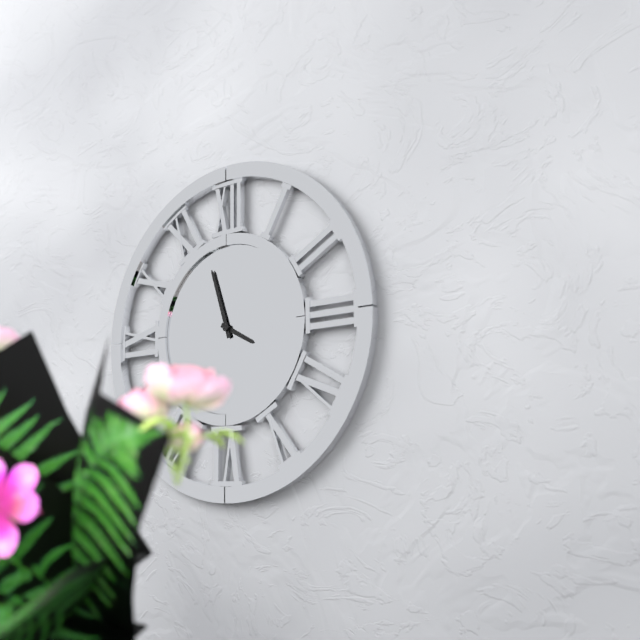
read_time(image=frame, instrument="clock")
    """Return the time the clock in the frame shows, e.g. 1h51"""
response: 3h57
